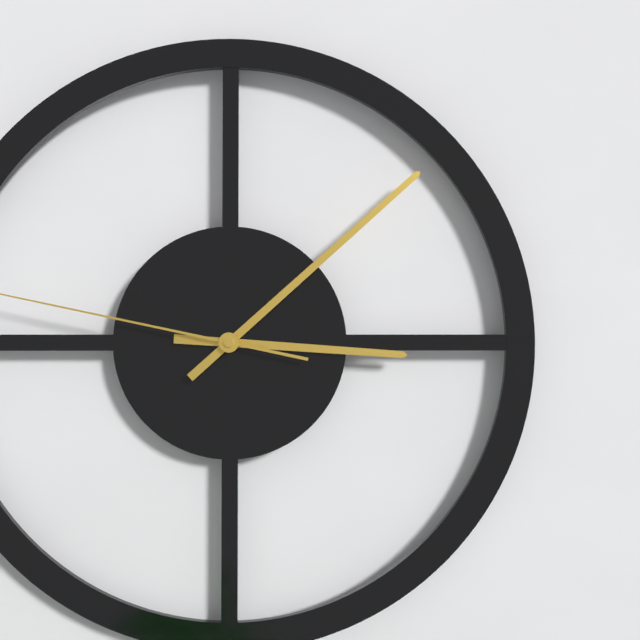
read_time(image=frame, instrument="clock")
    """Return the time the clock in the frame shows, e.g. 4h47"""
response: 3h08
